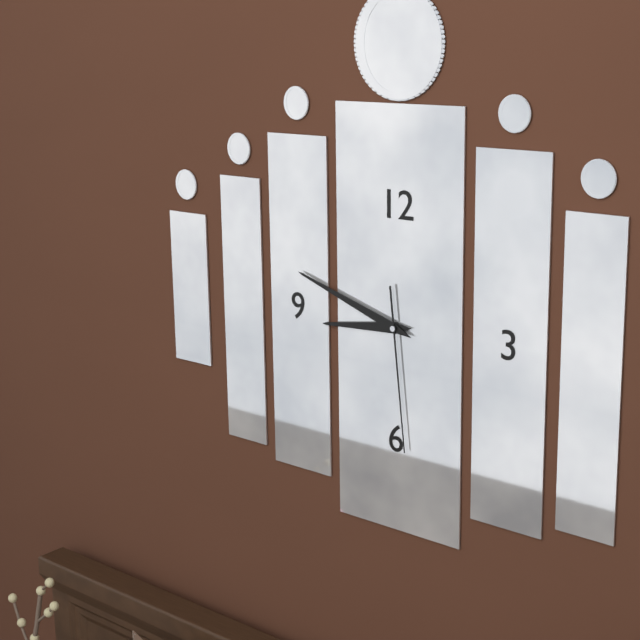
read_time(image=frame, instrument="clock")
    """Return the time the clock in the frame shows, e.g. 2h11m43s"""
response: 8h48m29s
